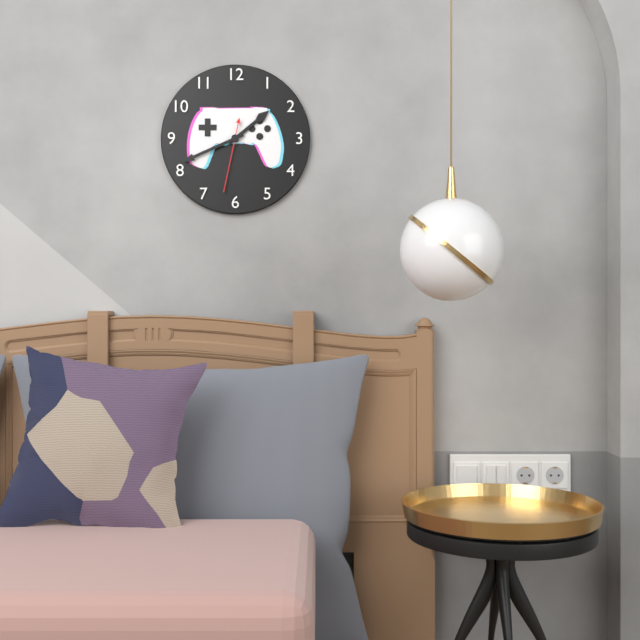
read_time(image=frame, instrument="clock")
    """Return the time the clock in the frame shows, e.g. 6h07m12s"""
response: 1h41m32s
